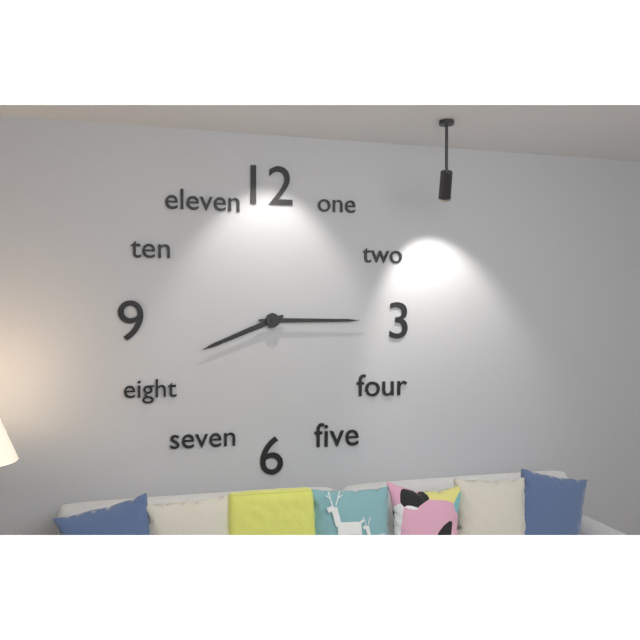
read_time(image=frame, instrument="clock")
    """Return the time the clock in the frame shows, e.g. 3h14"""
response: 8h15
